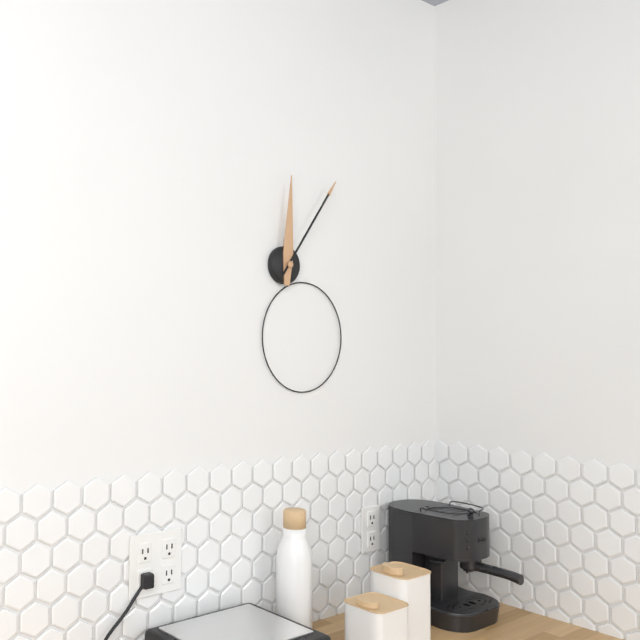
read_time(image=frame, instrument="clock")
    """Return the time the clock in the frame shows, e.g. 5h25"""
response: 12h06
